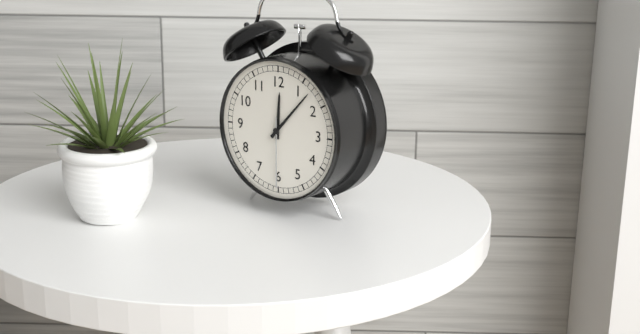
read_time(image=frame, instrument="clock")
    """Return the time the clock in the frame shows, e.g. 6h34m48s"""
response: 12h07m30s
